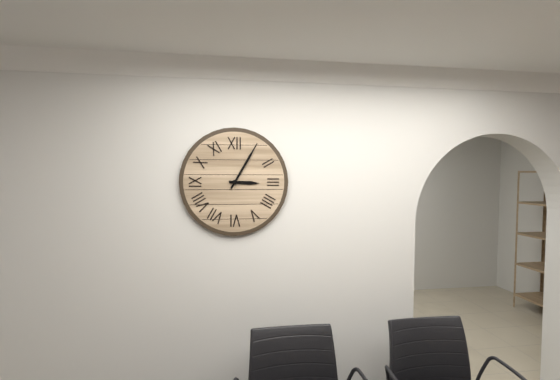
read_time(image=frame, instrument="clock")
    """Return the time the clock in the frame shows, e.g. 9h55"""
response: 3h05
